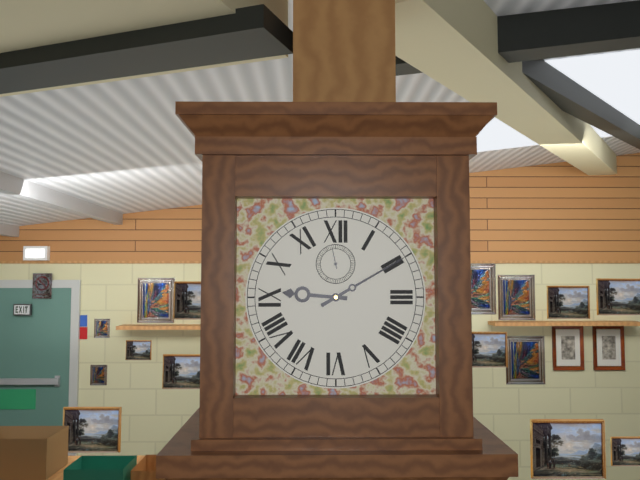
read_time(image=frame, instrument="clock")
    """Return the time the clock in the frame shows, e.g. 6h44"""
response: 9h10
